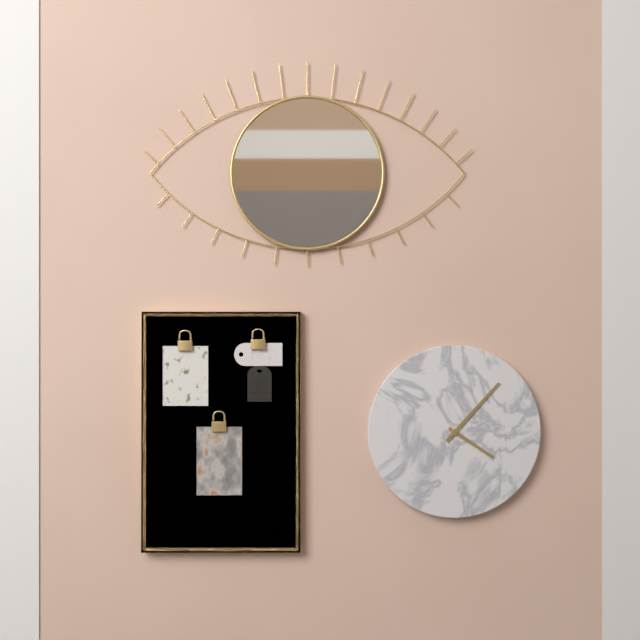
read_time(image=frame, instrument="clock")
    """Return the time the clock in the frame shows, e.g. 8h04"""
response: 4h07
